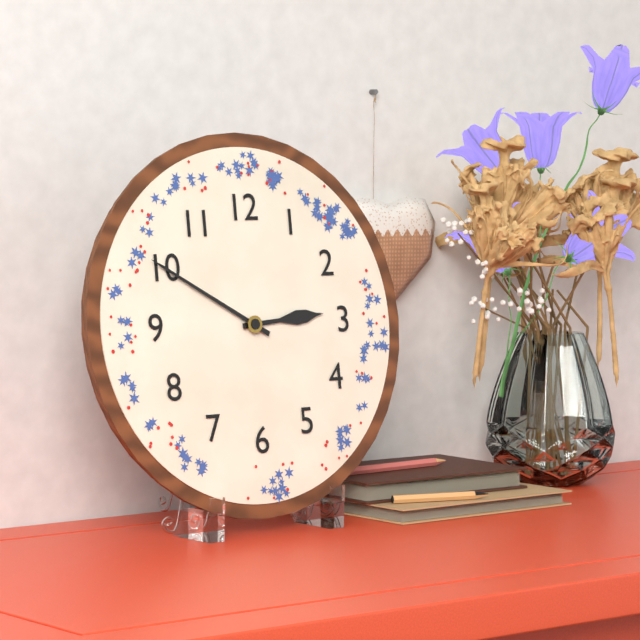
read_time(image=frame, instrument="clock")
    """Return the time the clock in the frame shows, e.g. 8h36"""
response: 2h50
